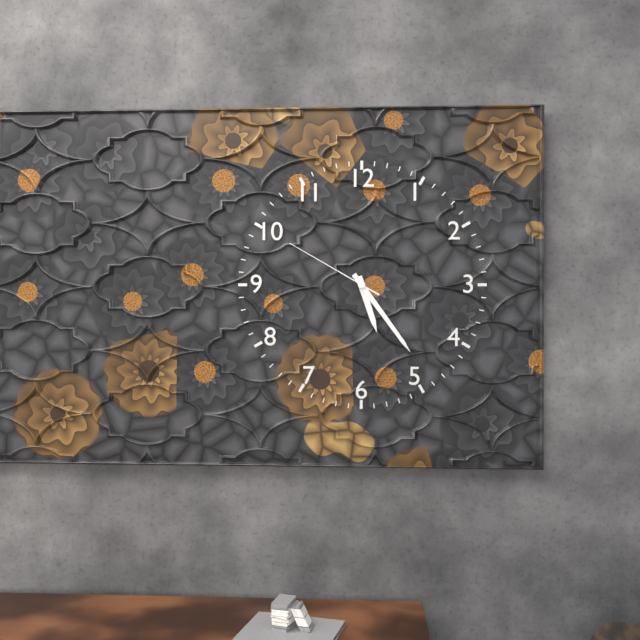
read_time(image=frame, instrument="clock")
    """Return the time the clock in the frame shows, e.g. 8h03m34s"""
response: 5h24m50s
